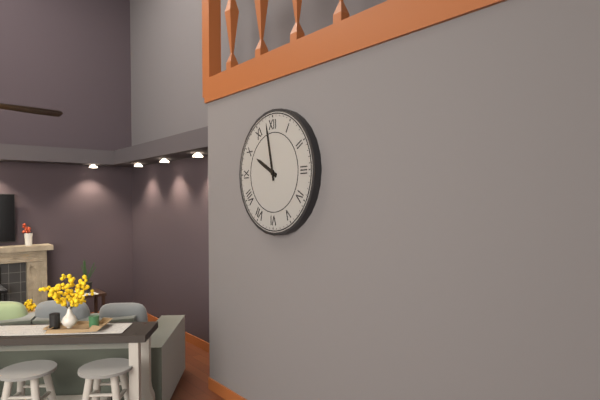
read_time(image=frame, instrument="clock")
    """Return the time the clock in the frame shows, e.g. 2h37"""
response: 9h58
